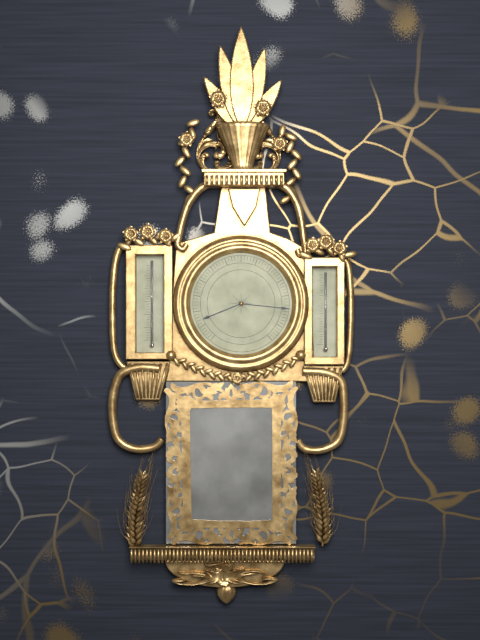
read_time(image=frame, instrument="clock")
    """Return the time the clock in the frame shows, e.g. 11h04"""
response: 8h16
